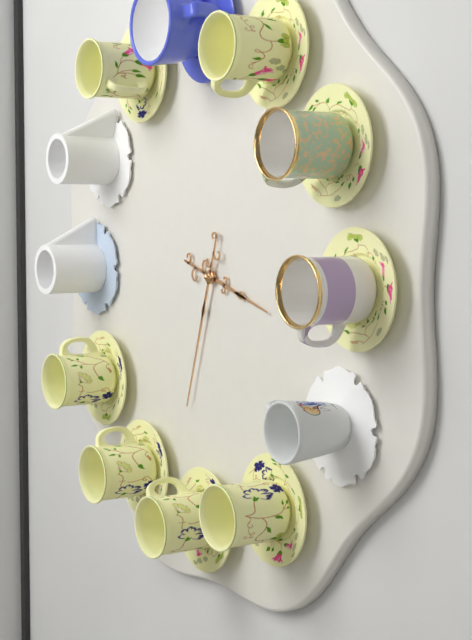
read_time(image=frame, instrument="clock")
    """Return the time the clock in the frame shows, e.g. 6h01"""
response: 3h33
